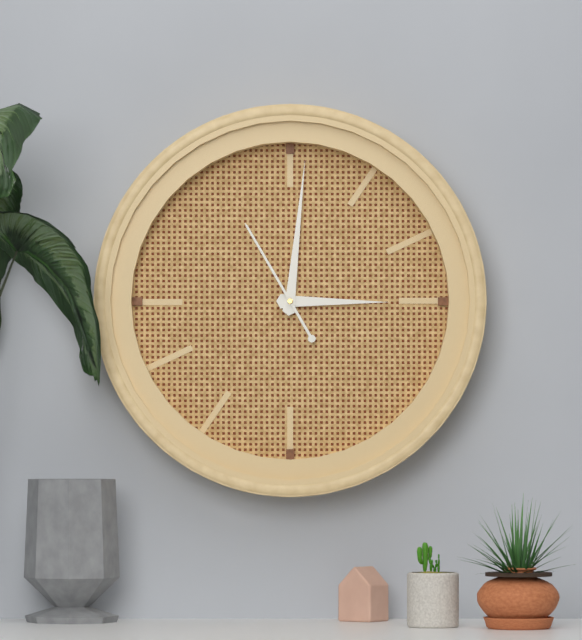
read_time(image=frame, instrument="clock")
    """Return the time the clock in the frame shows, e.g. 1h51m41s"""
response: 3h01m55s
